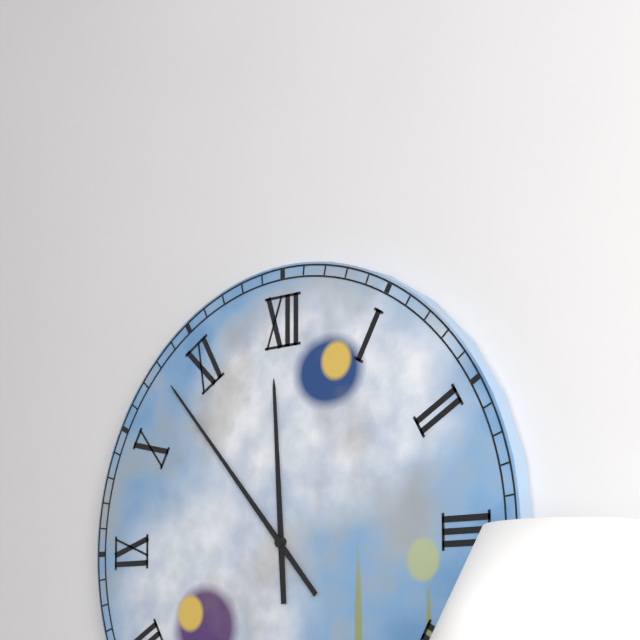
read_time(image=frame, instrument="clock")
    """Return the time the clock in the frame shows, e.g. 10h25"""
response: 11h53
